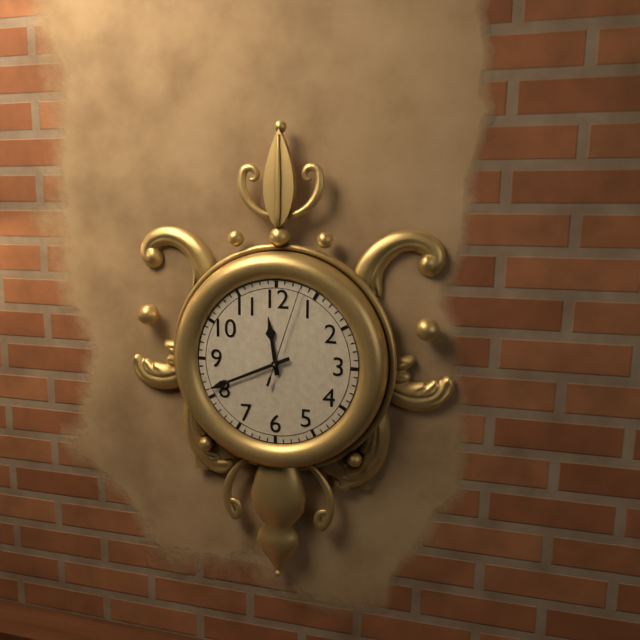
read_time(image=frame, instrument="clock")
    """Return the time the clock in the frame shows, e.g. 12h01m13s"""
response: 11h41m03s
